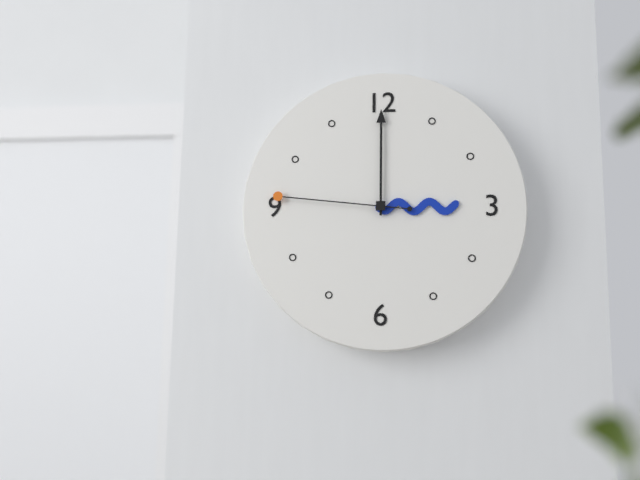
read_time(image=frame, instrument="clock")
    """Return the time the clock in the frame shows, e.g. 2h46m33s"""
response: 3h00m46s
